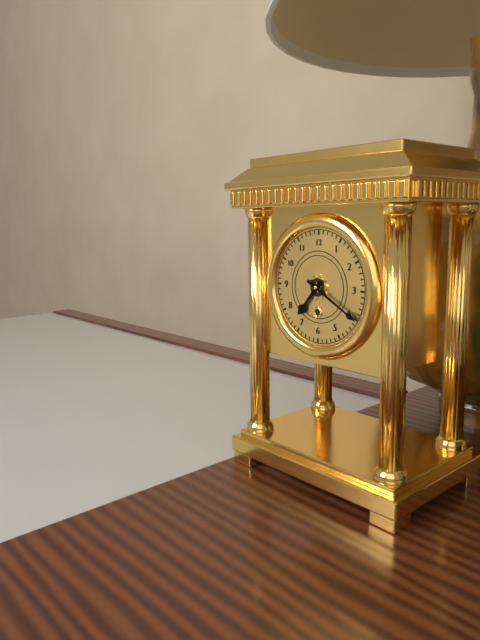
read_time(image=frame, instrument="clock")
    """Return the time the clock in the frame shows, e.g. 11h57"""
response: 7h20
